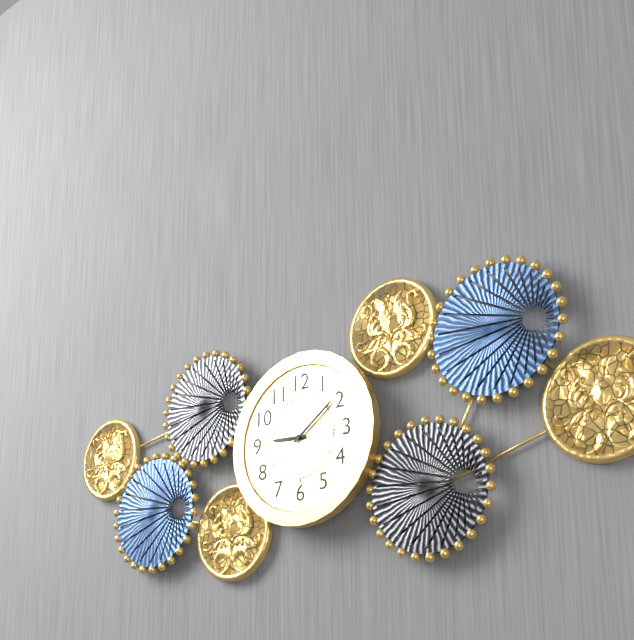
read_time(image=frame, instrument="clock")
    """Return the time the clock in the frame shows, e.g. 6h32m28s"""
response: 9h09m16s
